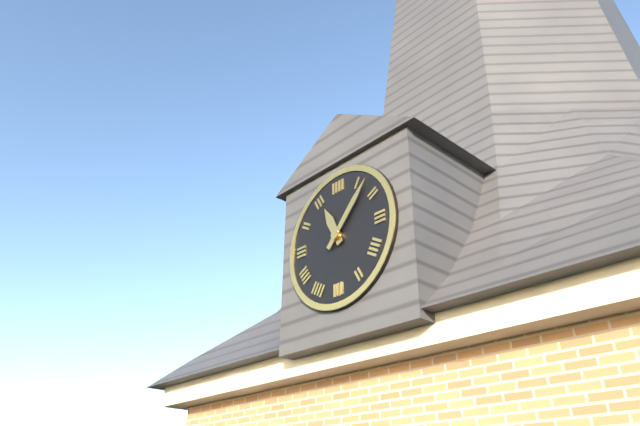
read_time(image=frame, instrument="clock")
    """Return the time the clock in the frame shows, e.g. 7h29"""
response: 11h07
